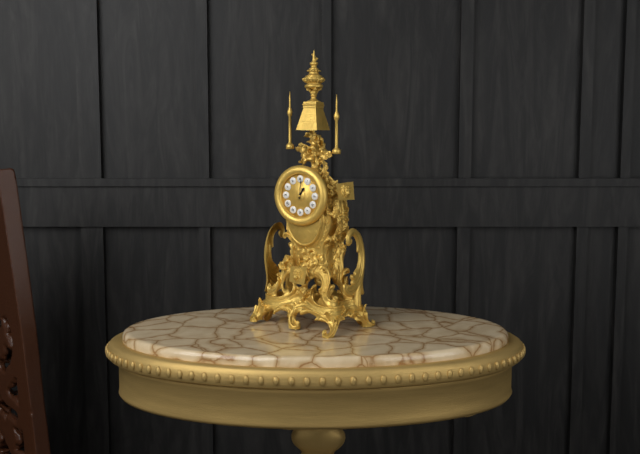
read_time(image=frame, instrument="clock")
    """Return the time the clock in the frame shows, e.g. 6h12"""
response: 1h01
